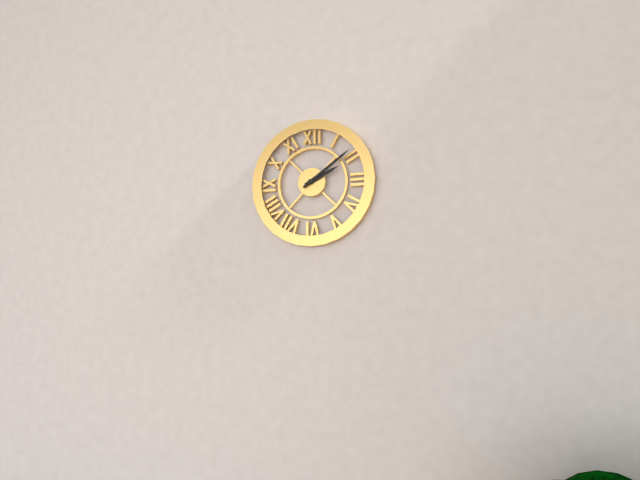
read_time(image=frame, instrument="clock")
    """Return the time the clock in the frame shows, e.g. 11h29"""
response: 2h09
